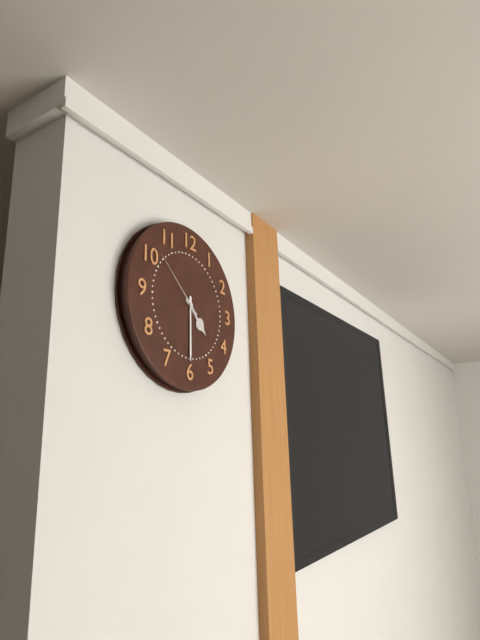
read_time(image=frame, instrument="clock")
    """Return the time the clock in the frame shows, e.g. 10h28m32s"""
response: 4h30m52s
